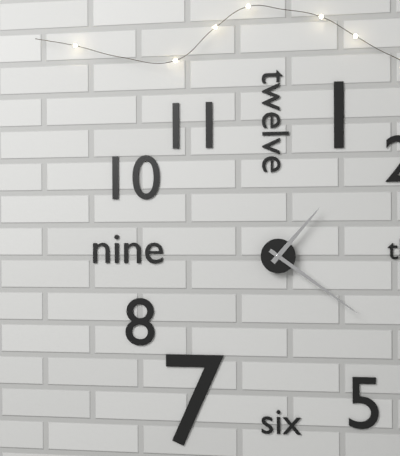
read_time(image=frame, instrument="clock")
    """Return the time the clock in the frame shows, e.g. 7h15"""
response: 1h21
